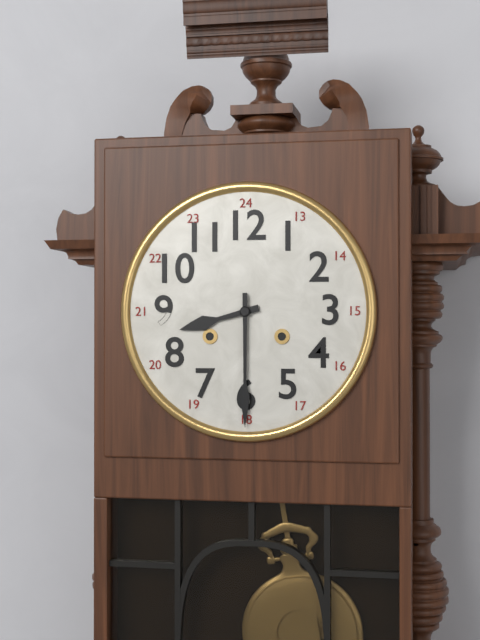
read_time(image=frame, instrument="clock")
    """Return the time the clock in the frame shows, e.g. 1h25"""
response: 8h30
